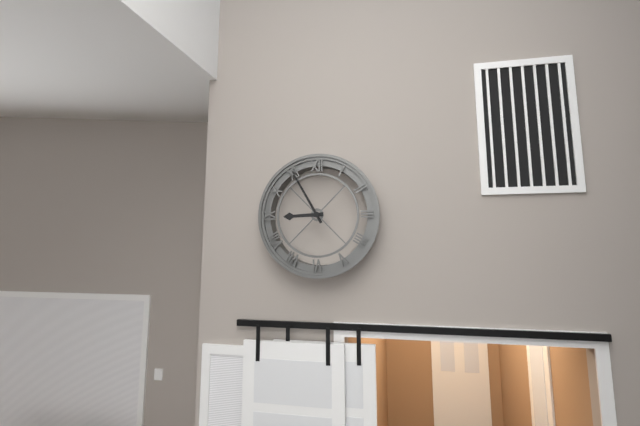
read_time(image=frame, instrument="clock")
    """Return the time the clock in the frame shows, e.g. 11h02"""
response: 8h55
